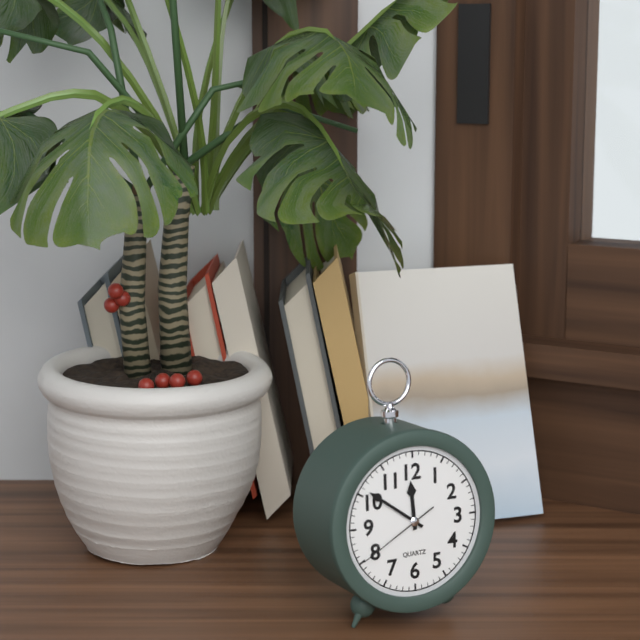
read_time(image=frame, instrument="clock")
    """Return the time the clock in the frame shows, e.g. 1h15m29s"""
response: 11h51m40s
